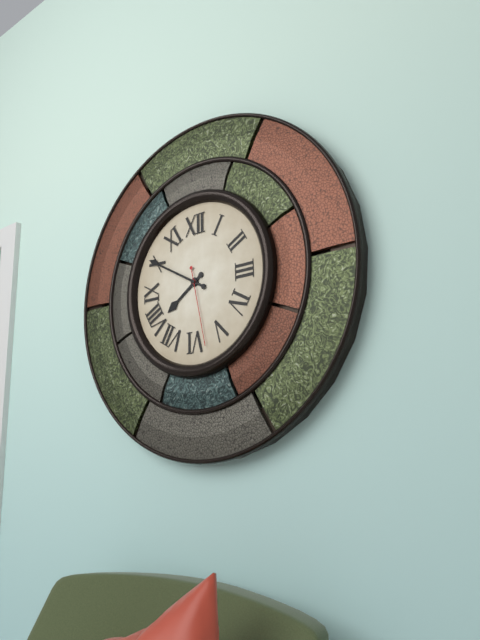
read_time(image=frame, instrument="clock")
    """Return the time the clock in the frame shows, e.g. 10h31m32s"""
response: 7h50m28s
